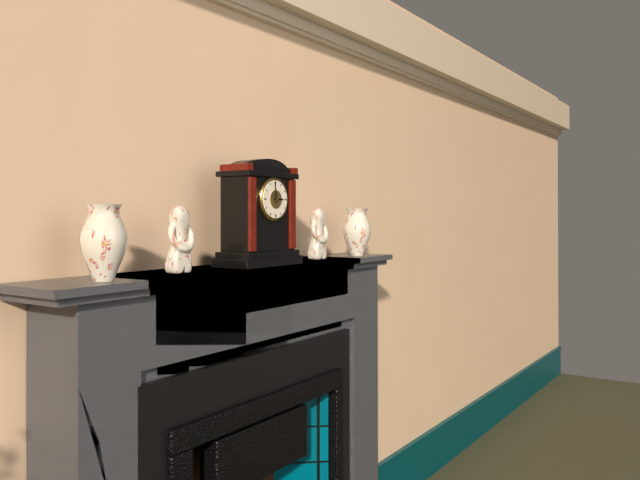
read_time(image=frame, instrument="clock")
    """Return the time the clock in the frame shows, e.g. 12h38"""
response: 2h58
